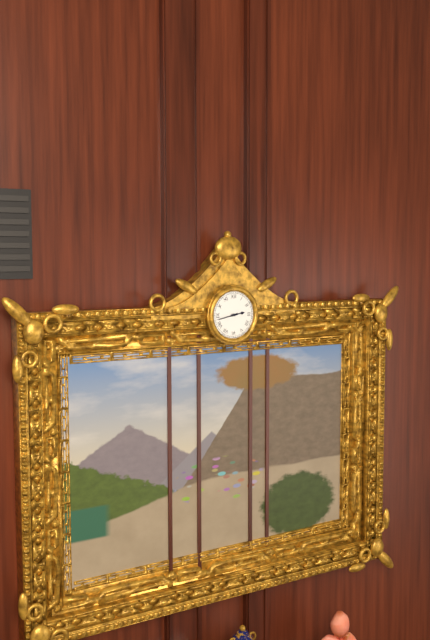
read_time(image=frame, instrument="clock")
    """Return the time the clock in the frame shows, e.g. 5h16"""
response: 2h43
